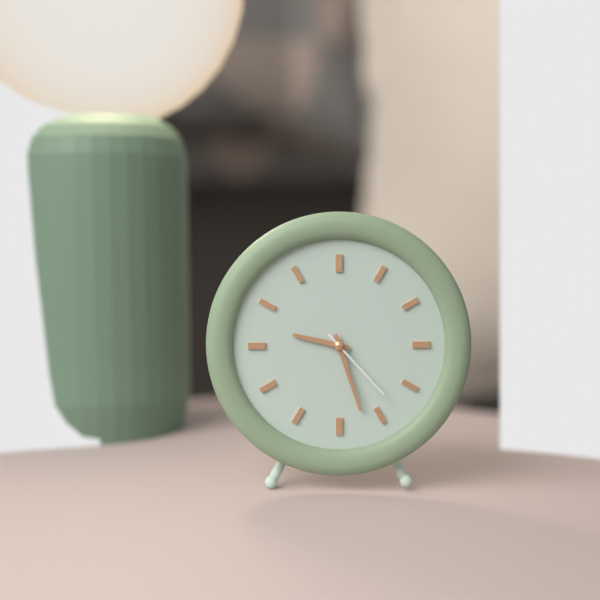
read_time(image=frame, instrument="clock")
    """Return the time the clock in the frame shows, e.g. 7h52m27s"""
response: 9h27m23s
